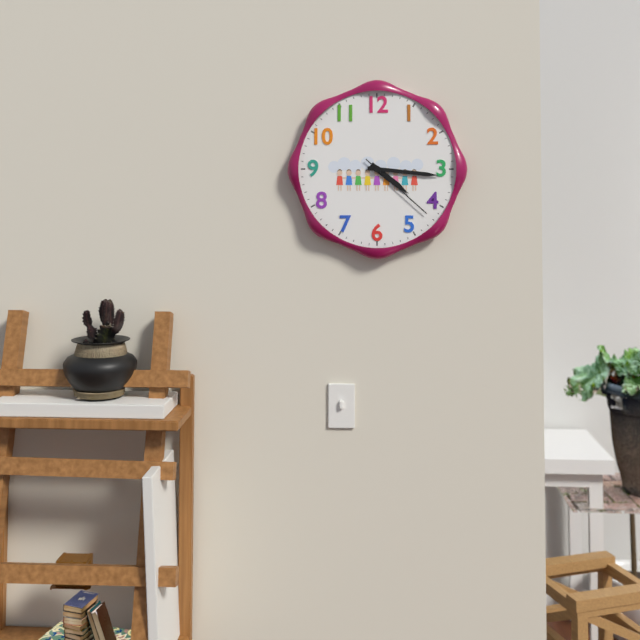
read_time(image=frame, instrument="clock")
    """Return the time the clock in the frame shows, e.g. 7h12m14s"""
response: 4h16m22s
